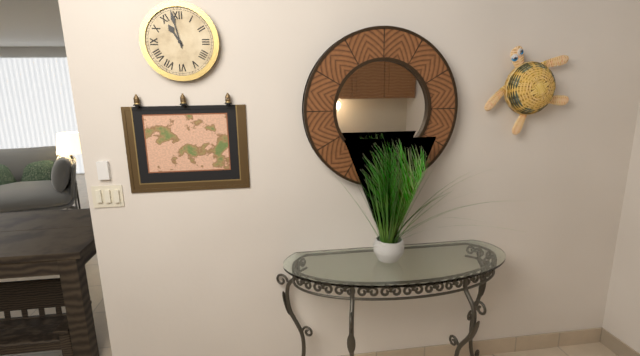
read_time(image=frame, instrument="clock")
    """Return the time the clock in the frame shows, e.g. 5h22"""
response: 10h58
